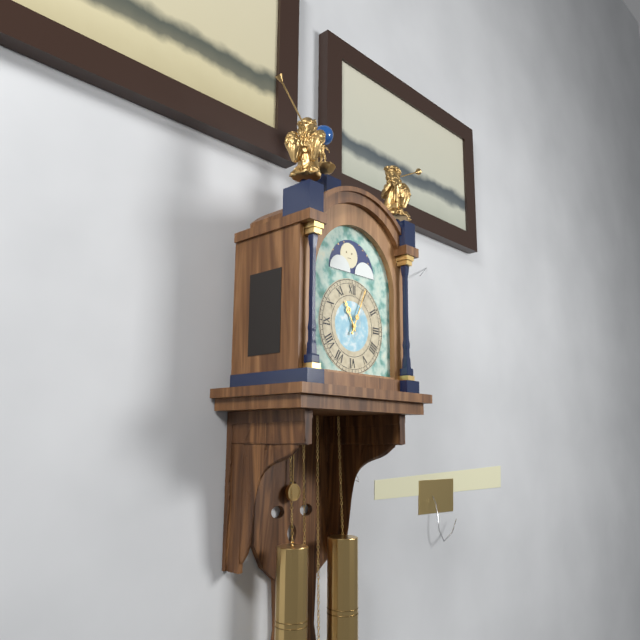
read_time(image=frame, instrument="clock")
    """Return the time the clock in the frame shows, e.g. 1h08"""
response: 11h04
